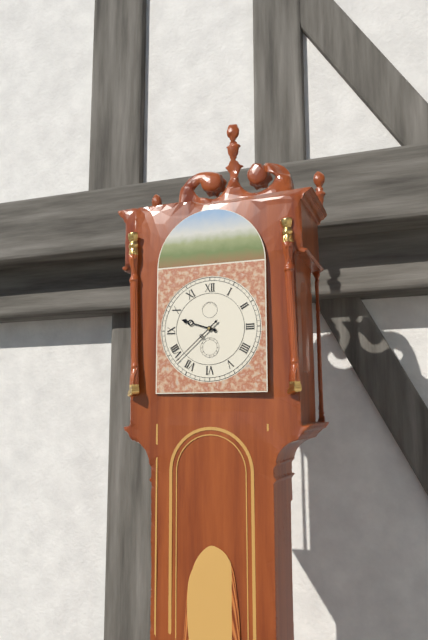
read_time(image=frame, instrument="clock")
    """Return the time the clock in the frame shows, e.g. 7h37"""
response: 9h38
